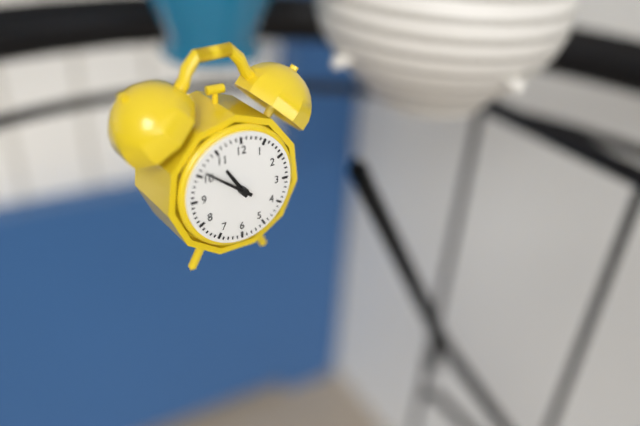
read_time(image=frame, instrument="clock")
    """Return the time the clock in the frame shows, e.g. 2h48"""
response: 10h51
